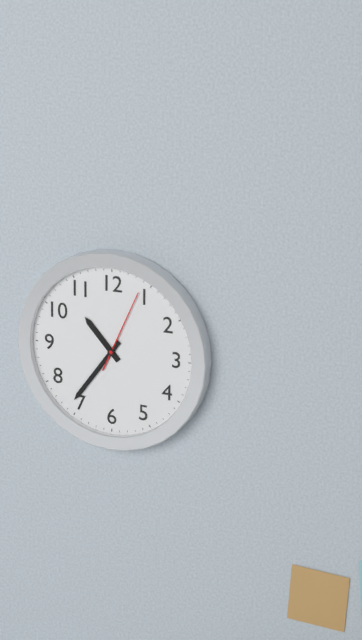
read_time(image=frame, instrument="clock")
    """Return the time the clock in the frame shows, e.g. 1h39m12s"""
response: 10h36m04s
